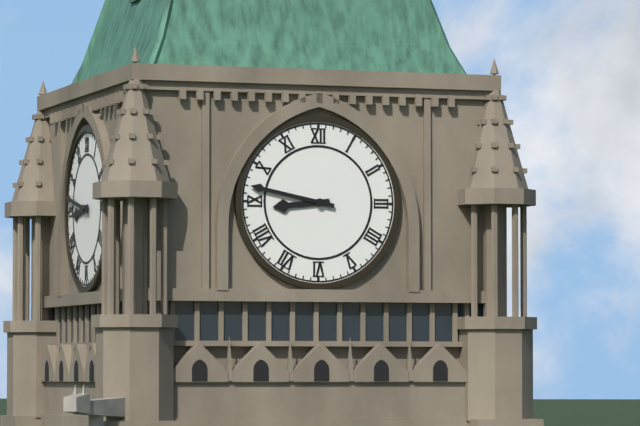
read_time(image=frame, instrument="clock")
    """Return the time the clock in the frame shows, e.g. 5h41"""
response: 8h47
